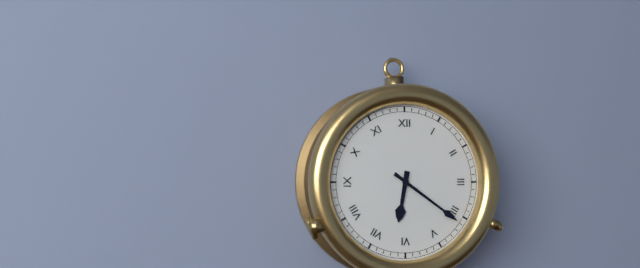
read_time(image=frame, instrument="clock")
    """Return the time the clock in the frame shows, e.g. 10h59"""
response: 6h21
